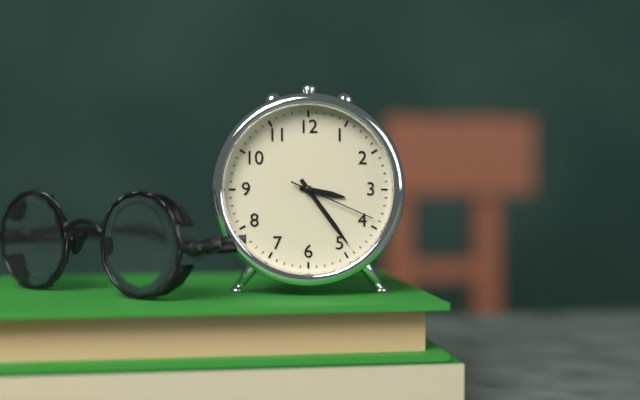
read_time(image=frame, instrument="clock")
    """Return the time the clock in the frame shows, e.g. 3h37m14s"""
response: 3h24m19s
